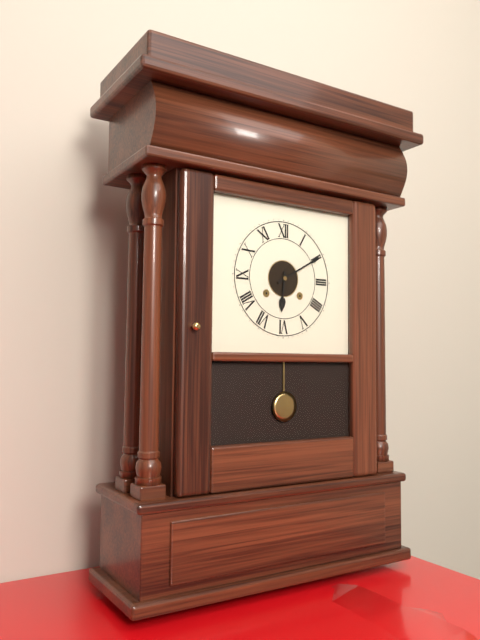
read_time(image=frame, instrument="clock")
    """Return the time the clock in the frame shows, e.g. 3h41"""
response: 6h10
